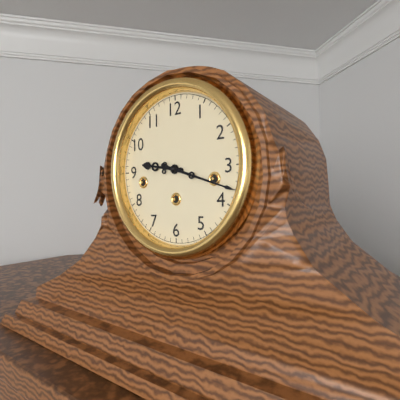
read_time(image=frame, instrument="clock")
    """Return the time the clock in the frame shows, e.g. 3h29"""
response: 9h18
